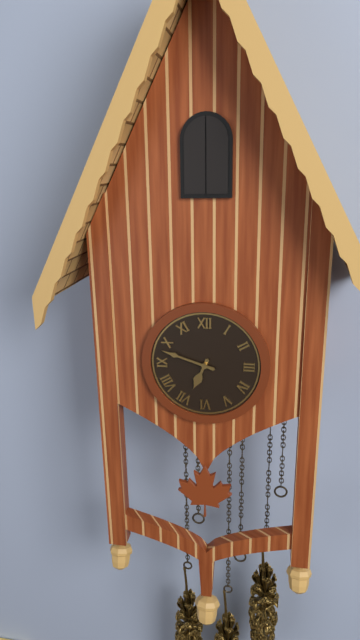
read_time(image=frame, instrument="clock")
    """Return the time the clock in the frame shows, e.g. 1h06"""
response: 6h48
